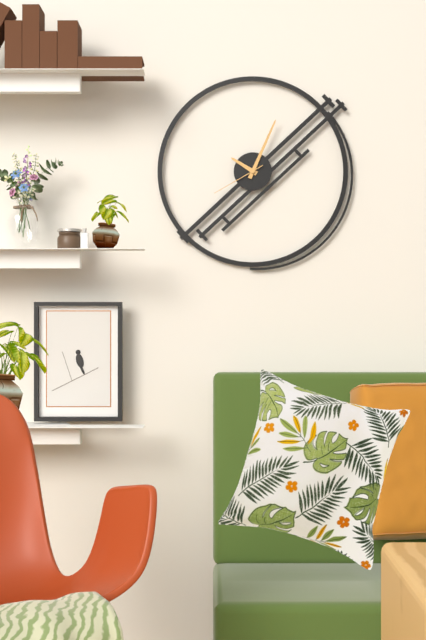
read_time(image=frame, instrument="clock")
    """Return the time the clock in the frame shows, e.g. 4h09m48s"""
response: 10h04m40s
